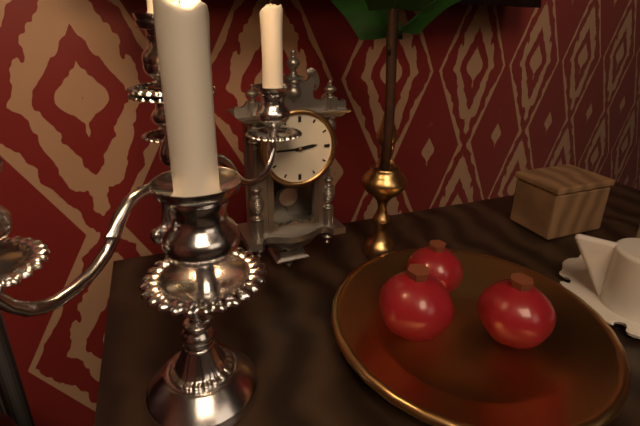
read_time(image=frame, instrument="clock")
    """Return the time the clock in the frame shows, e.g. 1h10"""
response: 2h45
